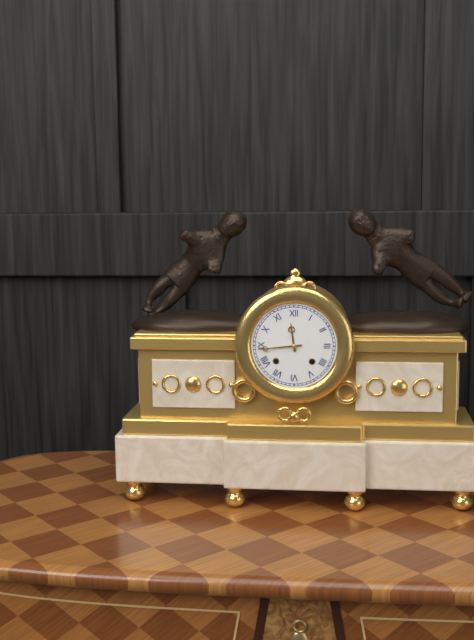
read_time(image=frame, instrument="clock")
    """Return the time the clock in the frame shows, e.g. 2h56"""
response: 11h44
